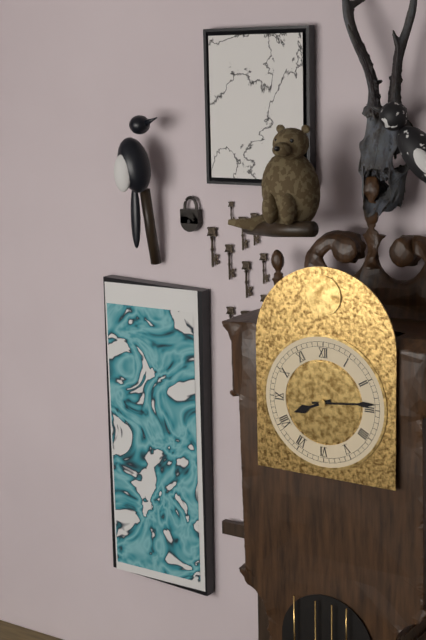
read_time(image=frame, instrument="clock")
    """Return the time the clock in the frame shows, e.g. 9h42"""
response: 8h14
